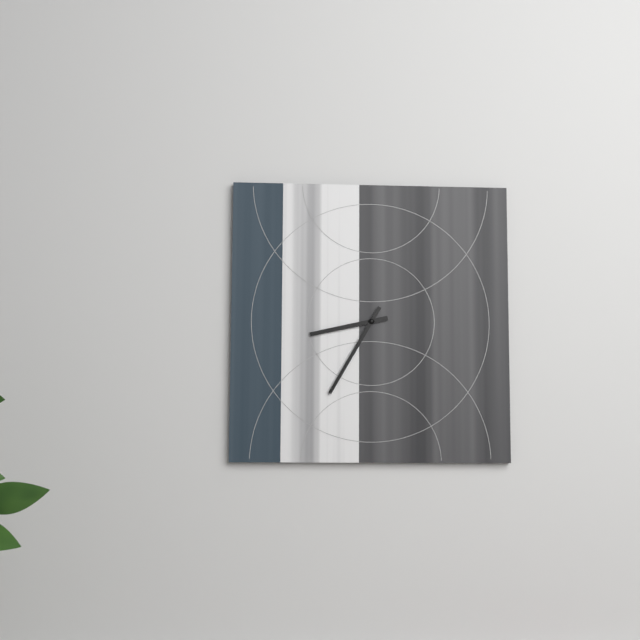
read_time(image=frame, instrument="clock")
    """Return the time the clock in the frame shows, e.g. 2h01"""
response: 8h35
